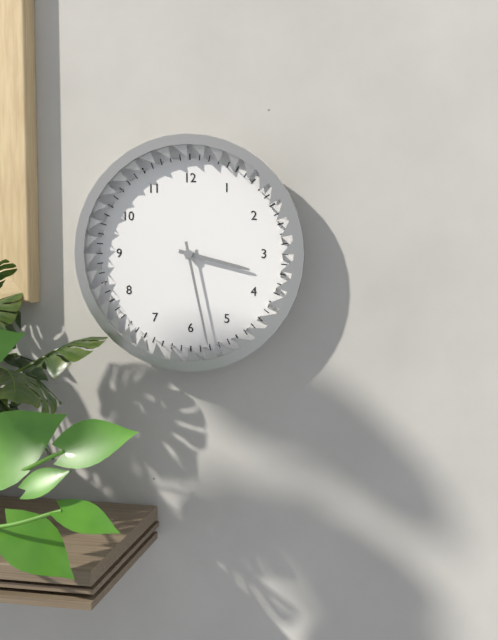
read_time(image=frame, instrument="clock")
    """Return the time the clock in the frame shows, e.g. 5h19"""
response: 3h28
